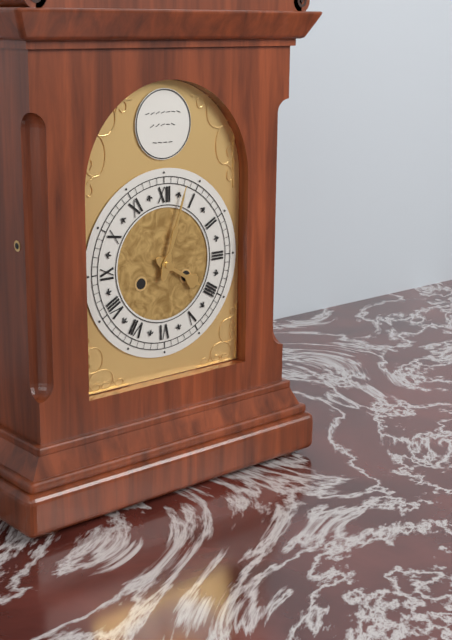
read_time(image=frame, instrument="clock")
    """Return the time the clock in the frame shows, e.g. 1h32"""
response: 4h03
